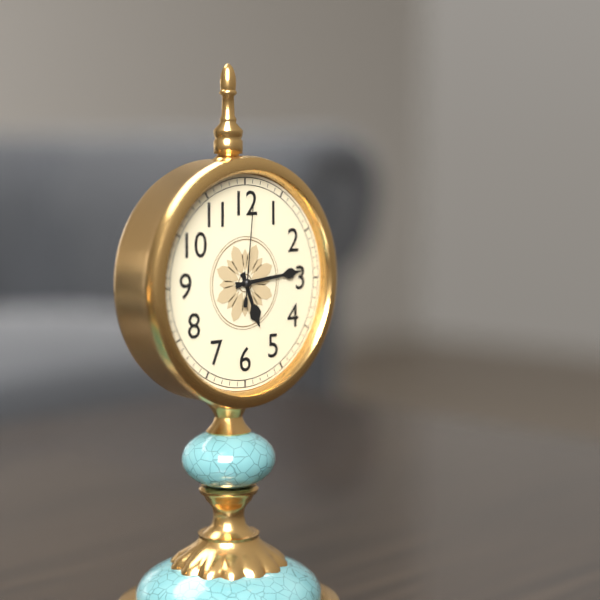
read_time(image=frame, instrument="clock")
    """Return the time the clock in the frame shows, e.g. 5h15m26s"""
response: 5h14m01s
